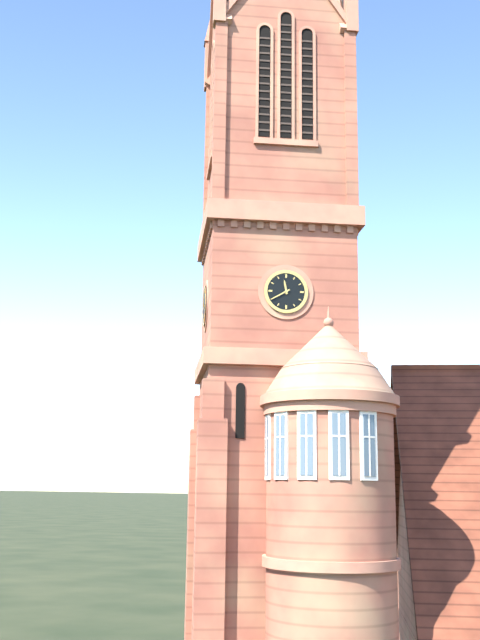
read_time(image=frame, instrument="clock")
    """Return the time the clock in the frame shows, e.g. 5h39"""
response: 11h40
